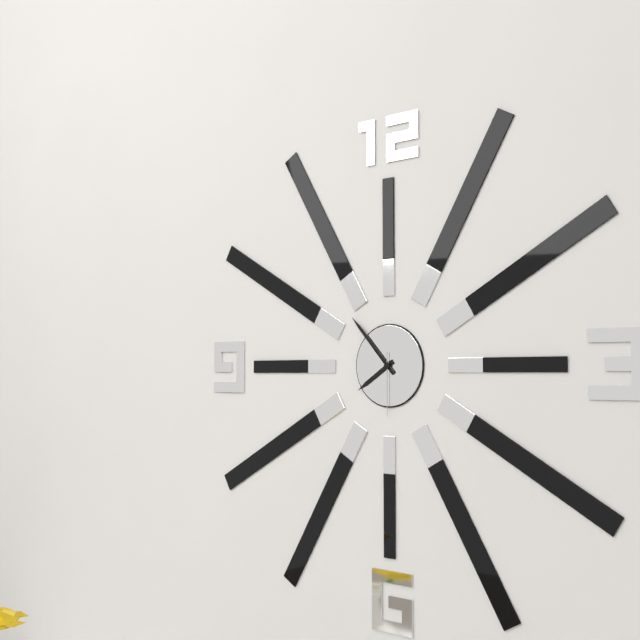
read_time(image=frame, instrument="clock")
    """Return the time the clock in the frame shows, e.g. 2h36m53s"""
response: 7h53m30s
